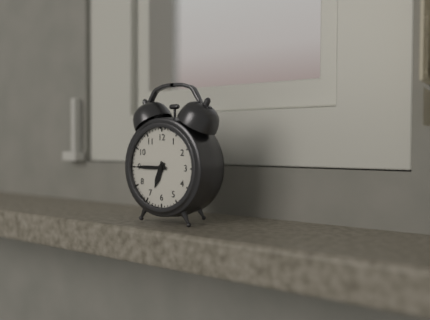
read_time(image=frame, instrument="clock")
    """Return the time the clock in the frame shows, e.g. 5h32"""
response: 6h45
